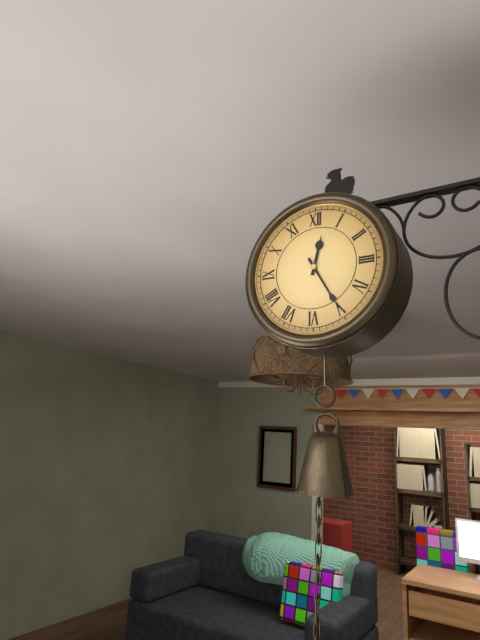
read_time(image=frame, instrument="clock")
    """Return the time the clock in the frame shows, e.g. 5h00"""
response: 12h25
